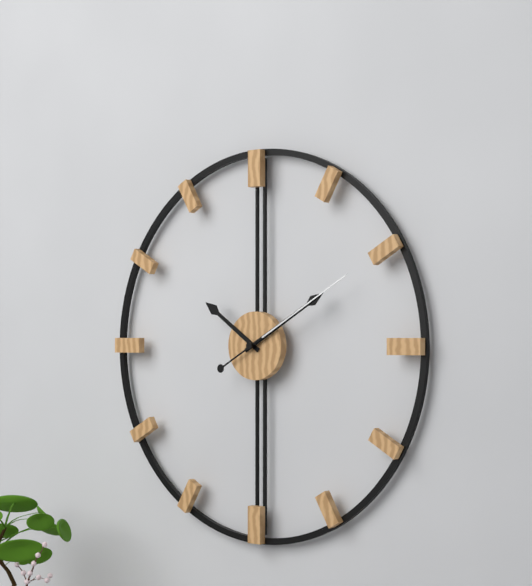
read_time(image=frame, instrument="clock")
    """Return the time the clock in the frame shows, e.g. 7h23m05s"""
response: 10h10m10s
